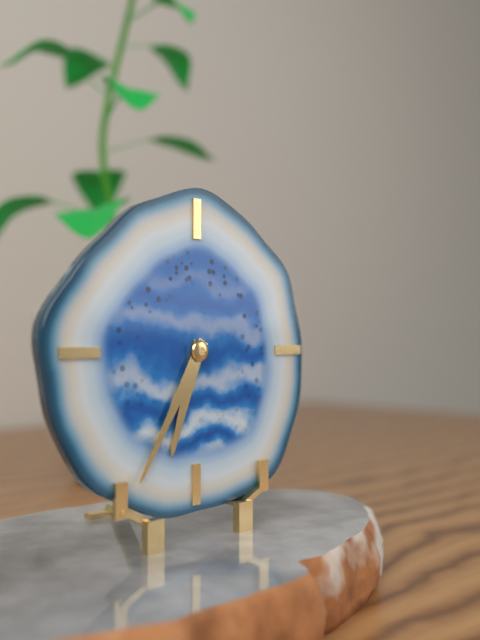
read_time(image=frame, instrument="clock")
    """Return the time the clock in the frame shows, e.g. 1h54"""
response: 6h35
